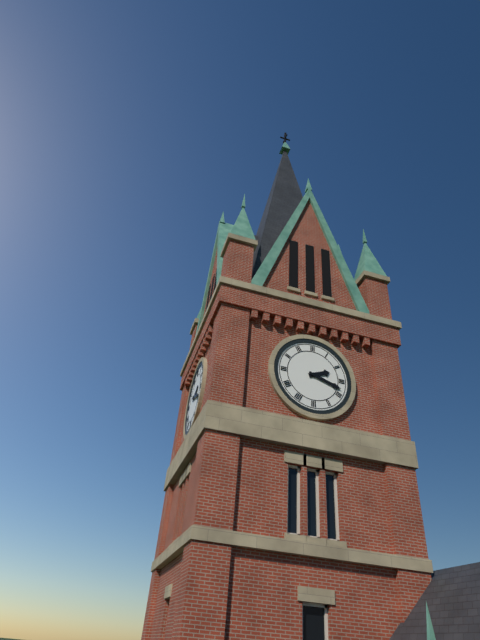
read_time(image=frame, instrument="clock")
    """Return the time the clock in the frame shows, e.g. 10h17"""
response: 2h18
